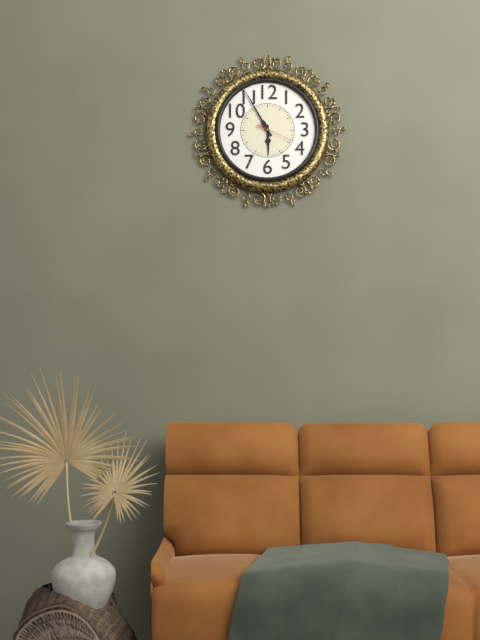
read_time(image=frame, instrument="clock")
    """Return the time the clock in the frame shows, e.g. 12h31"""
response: 5h55
